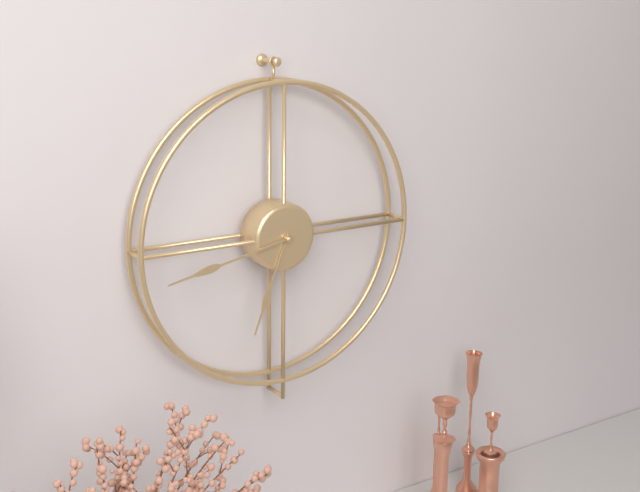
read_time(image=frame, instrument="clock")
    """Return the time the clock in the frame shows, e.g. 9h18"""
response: 6h43
